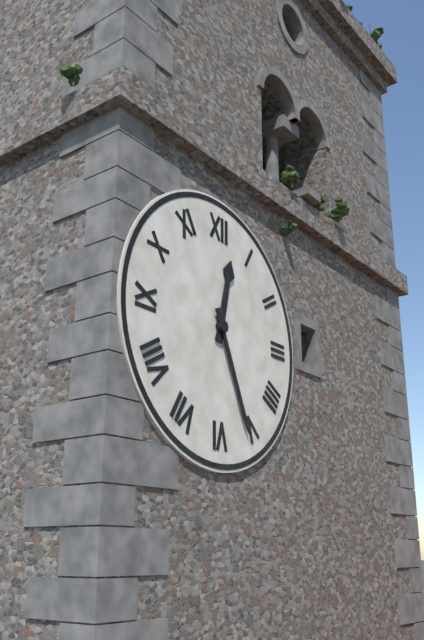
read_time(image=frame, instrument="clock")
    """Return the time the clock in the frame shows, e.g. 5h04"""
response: 12h26
